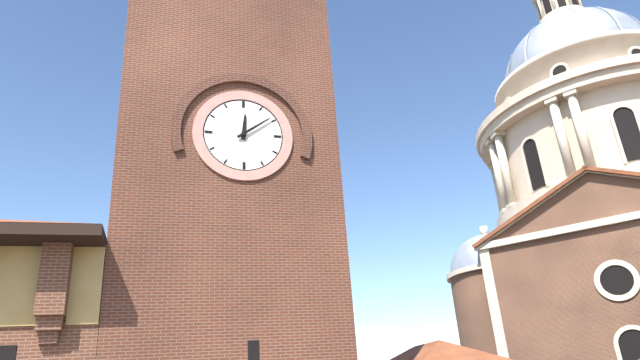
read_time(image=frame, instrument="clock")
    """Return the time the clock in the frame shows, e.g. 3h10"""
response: 12h09
